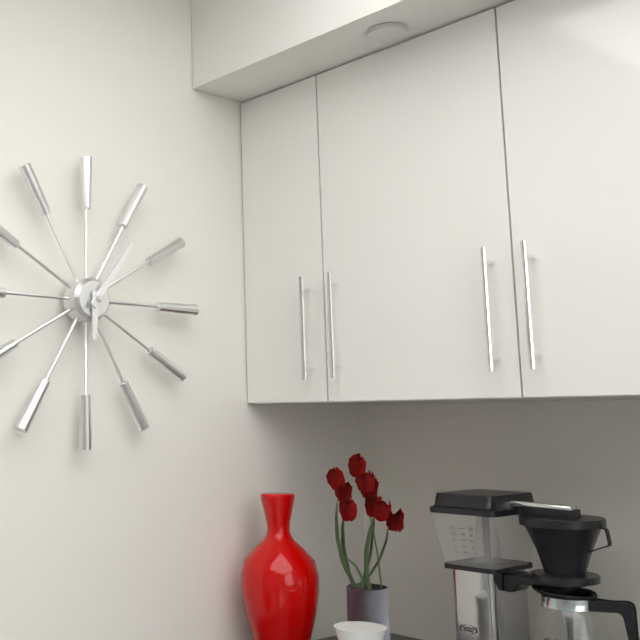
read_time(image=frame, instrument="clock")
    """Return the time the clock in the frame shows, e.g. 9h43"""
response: 6h06
